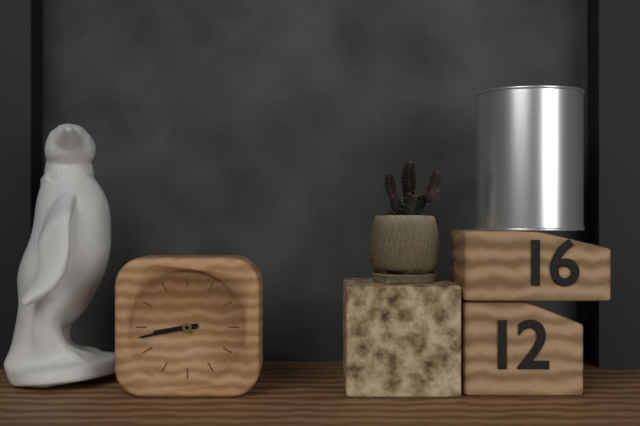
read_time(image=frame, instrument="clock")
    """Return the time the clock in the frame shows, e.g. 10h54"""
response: 8h43
